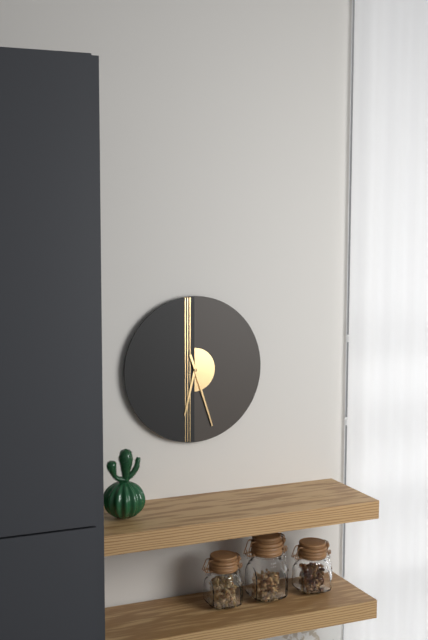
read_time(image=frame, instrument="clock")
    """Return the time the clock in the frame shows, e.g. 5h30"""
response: 6h27
